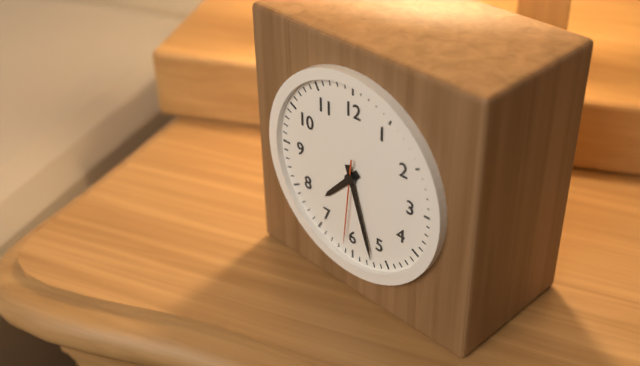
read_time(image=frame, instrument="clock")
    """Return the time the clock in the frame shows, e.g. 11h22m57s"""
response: 7h27m31s
